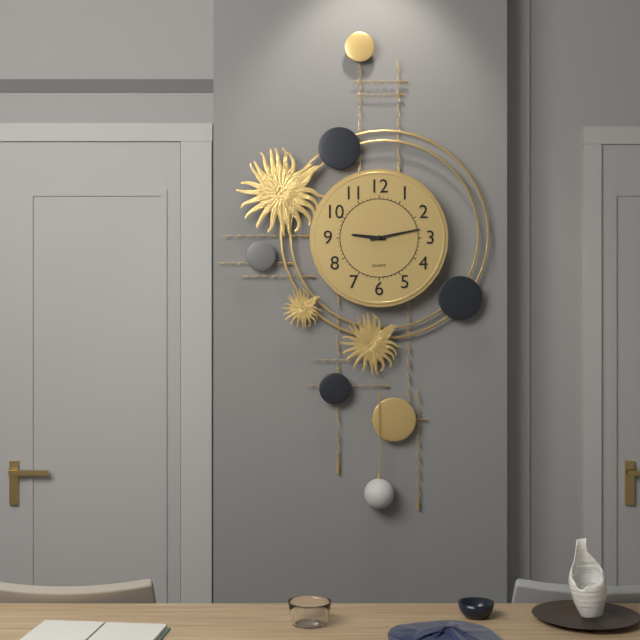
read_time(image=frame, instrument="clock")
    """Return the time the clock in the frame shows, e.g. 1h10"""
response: 9h13
